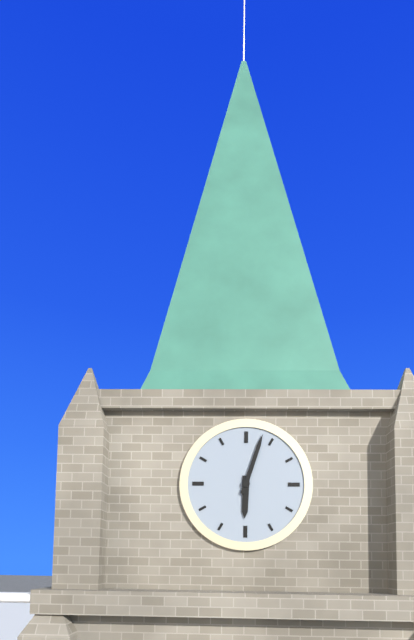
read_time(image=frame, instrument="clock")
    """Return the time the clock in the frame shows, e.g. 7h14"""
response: 6h03
